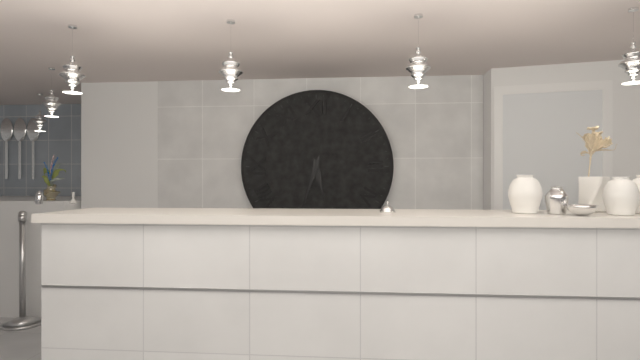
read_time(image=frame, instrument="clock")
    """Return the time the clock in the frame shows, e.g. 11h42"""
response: 5h33
